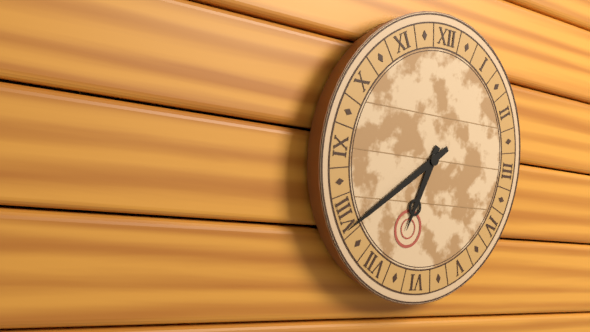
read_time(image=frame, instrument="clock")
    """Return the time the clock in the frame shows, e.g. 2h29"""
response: 6h39
